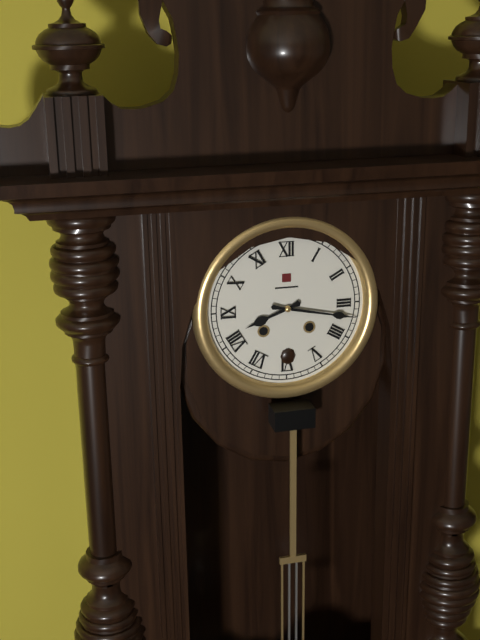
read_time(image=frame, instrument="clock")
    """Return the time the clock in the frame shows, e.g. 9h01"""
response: 8h17
